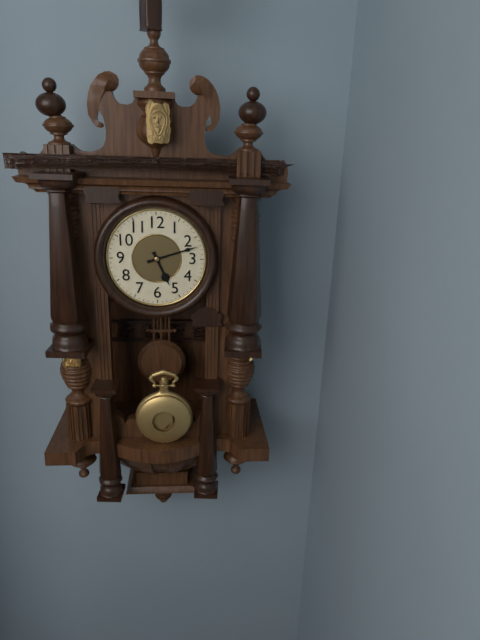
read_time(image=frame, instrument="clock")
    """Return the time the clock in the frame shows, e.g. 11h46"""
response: 5h12
